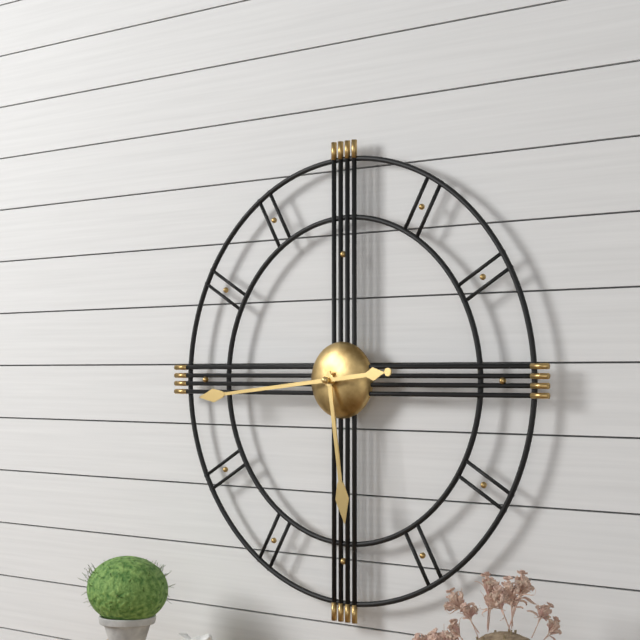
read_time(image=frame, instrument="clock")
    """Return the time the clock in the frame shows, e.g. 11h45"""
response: 5h44
